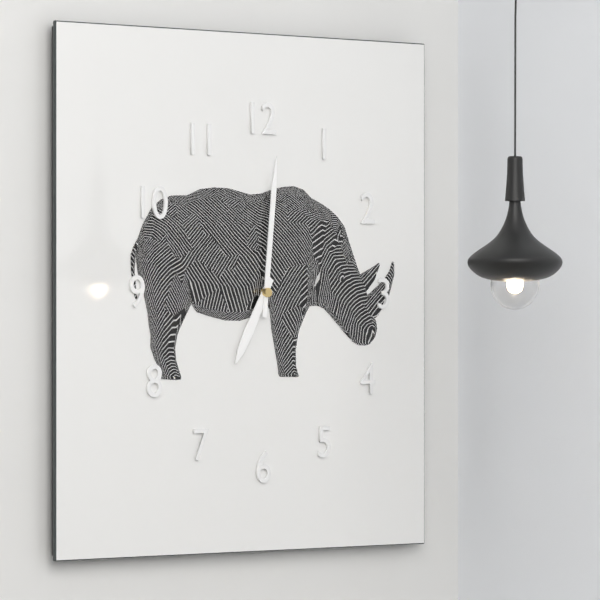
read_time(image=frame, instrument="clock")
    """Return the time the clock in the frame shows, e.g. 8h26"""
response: 7h01
